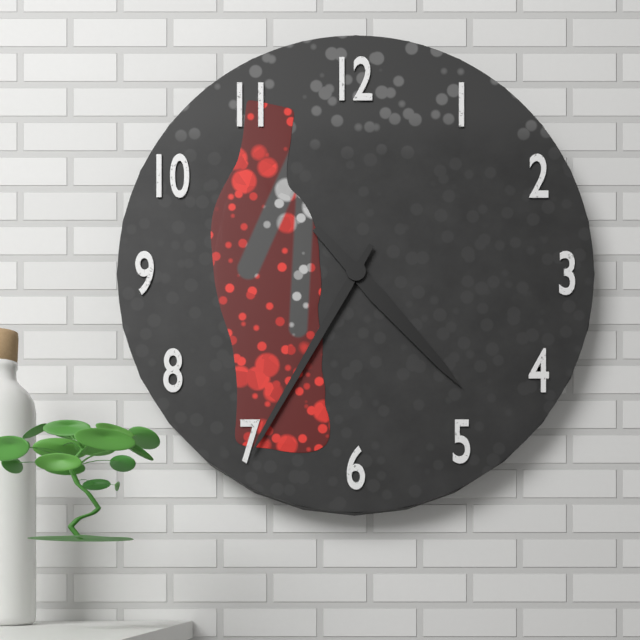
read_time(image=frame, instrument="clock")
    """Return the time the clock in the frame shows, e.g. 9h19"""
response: 4h35
